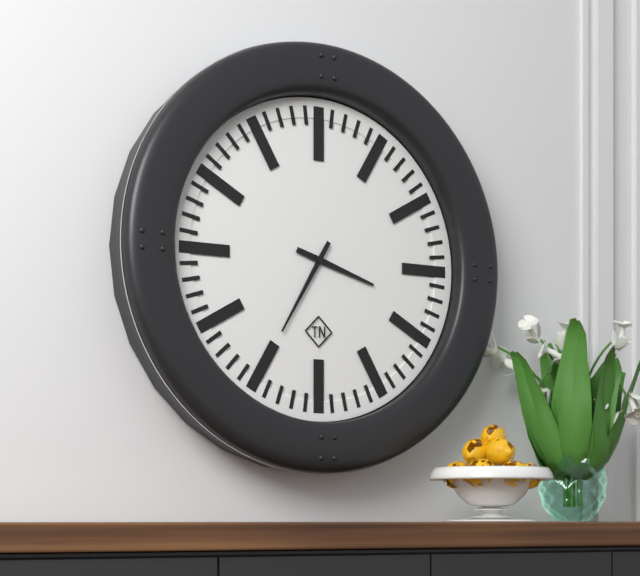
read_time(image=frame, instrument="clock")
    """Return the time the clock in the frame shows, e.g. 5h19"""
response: 3h35
